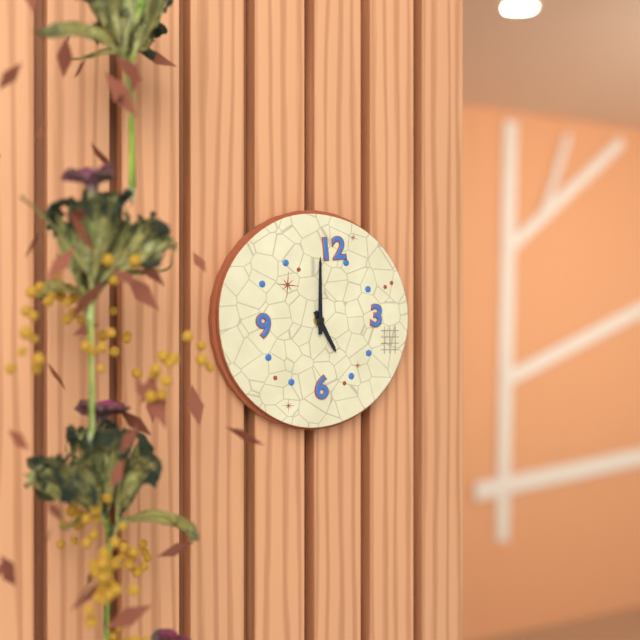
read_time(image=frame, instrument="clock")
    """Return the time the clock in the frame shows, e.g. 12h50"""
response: 5h00
